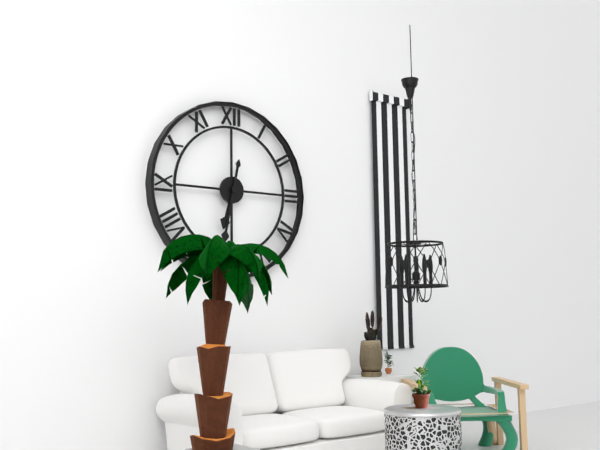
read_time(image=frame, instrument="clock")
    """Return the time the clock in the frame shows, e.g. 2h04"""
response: 6h32
